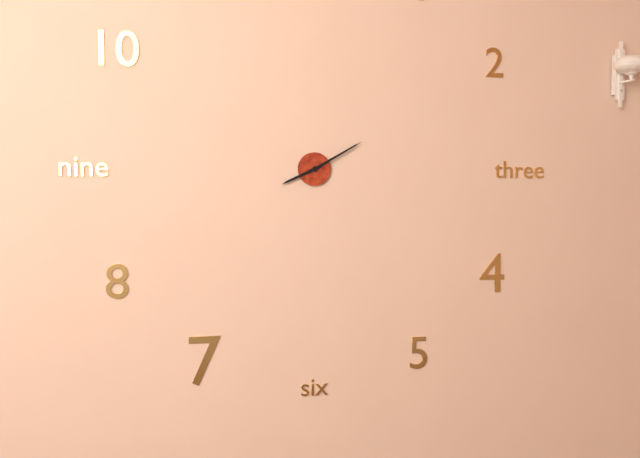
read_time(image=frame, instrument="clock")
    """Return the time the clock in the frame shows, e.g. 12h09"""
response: 8h10
